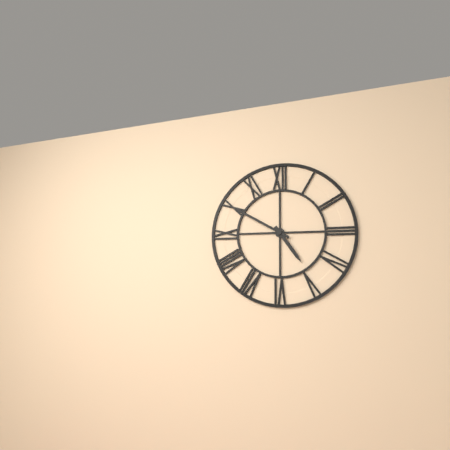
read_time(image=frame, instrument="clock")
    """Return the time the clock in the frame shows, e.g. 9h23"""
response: 4h50
